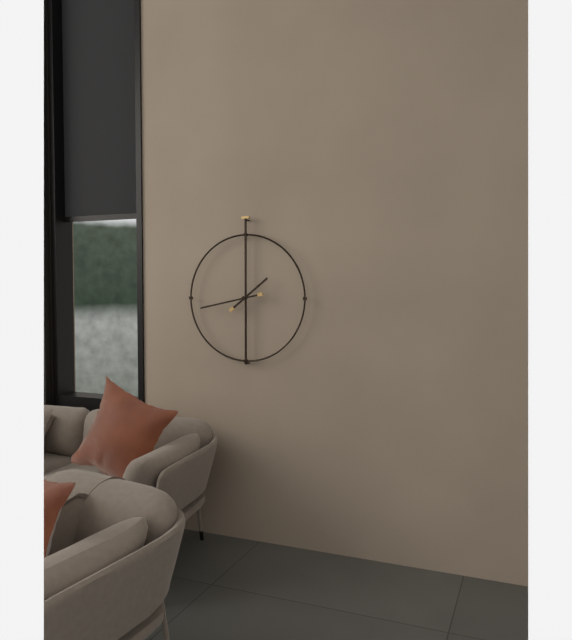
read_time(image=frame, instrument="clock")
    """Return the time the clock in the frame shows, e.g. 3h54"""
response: 1h43
